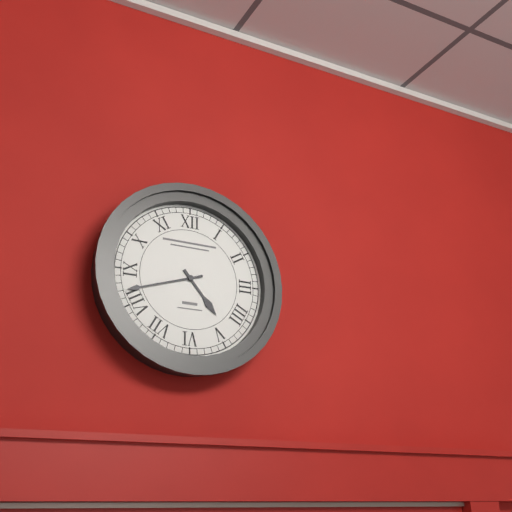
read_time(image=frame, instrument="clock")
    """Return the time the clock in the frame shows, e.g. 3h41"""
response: 4h42
